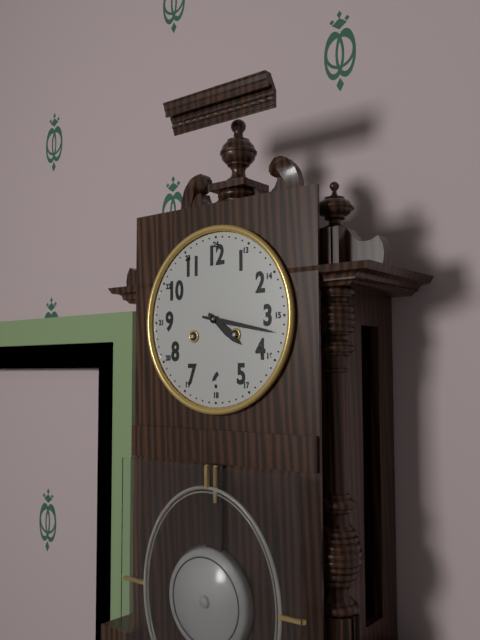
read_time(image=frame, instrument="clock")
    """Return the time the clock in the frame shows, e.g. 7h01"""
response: 4h17
